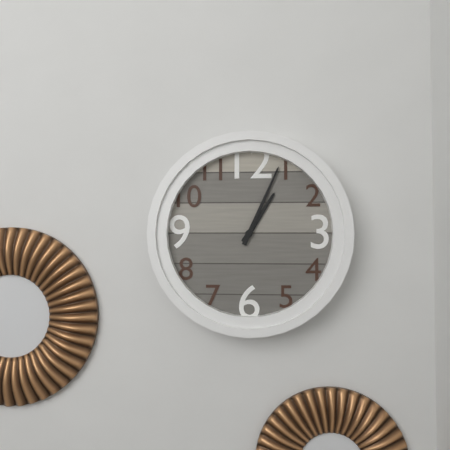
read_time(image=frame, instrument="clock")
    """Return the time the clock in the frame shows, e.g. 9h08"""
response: 1h04
